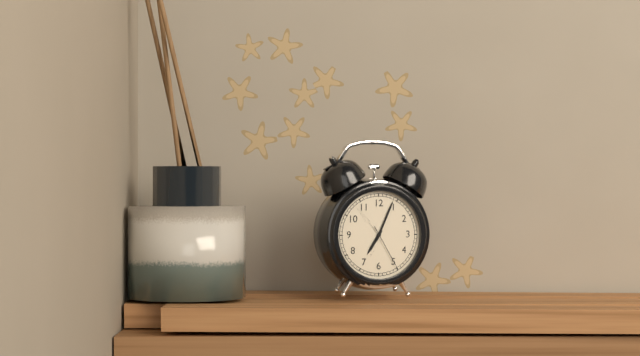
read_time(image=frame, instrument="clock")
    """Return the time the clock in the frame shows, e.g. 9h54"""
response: 7h04
